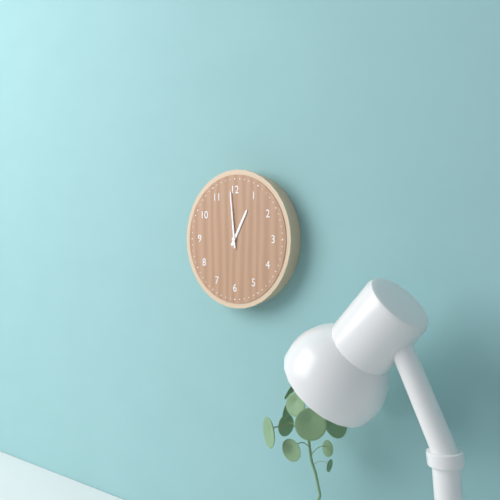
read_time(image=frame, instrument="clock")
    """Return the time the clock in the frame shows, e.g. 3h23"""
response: 12h59
